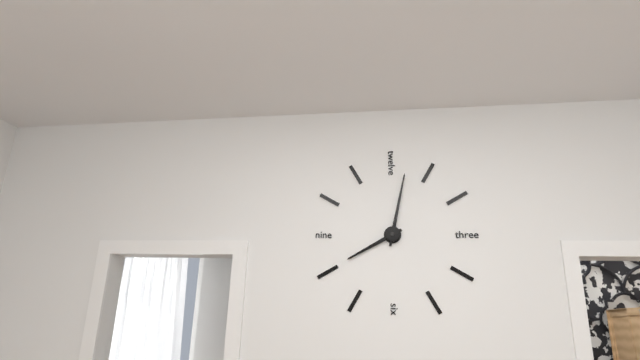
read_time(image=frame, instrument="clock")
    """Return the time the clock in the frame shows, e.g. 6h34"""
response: 8h02
